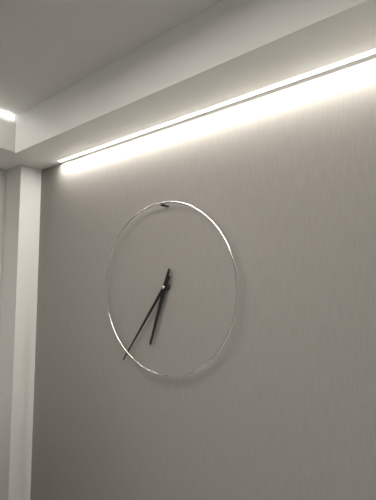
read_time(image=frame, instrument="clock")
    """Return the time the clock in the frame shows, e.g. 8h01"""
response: 6h36
